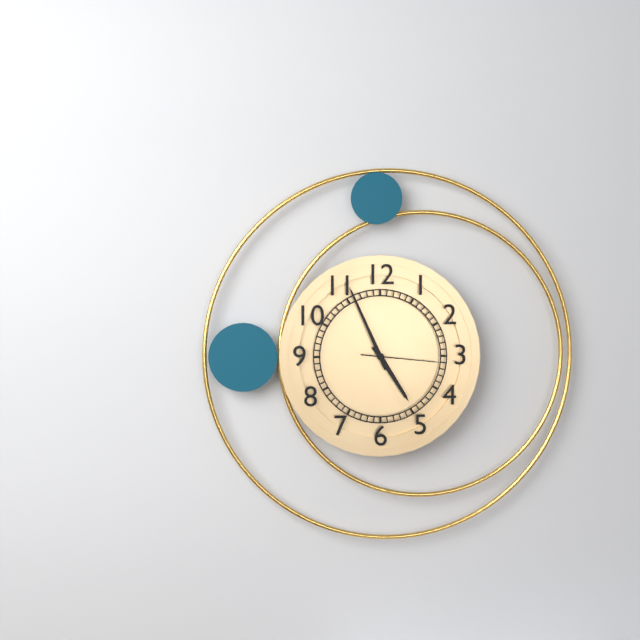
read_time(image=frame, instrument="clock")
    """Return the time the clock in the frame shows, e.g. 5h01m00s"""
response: 4h56m16s
